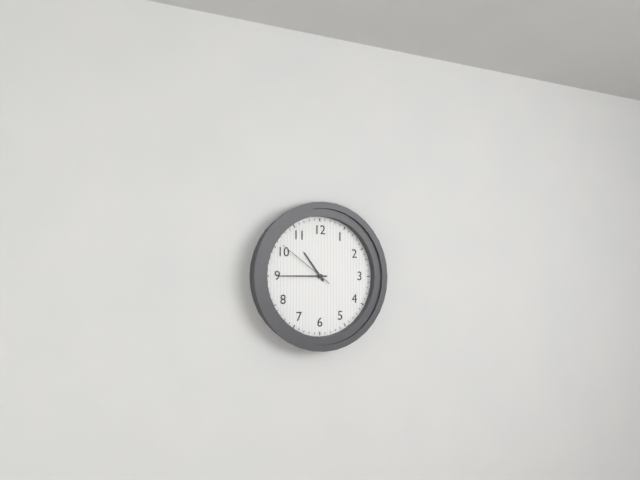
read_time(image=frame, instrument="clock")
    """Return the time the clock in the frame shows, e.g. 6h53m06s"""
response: 10h45m51s
